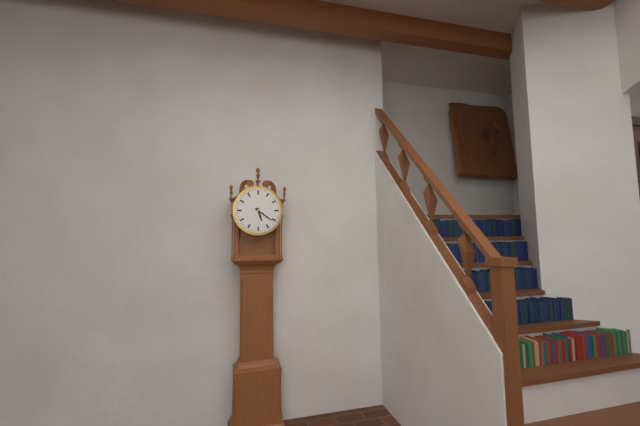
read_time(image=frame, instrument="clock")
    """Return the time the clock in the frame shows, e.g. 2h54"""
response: 5h21
